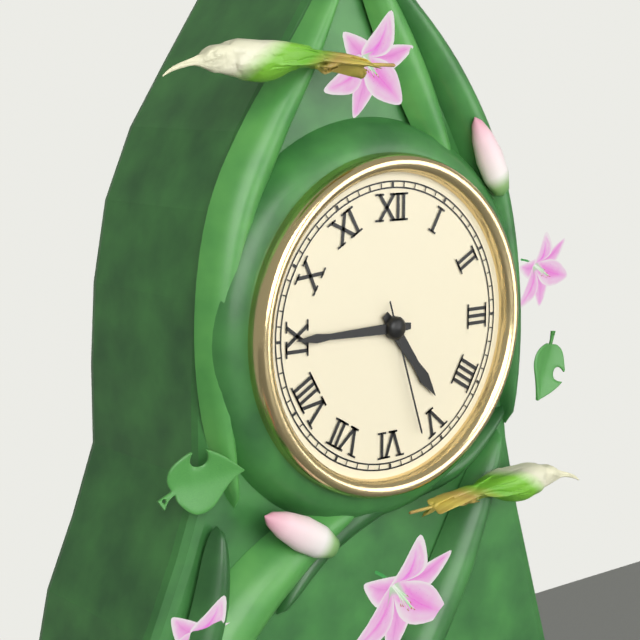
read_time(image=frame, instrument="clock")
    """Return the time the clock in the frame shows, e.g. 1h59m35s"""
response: 4h45m27s
